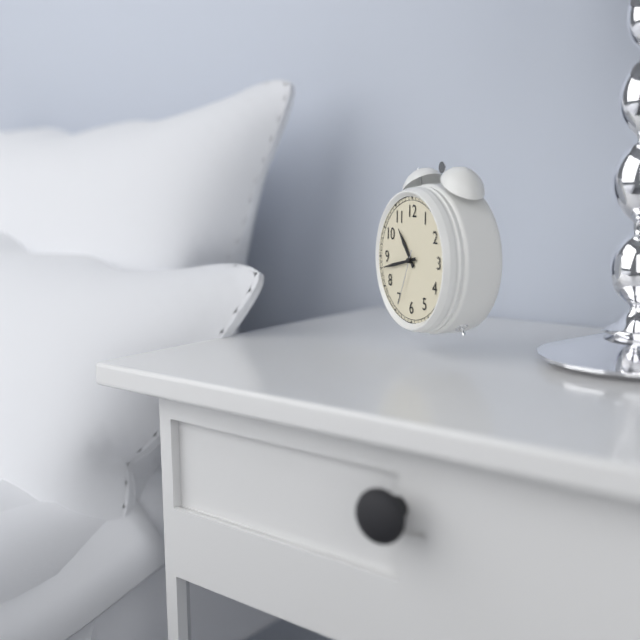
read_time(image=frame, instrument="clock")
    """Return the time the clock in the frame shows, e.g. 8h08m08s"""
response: 10h43m34s
